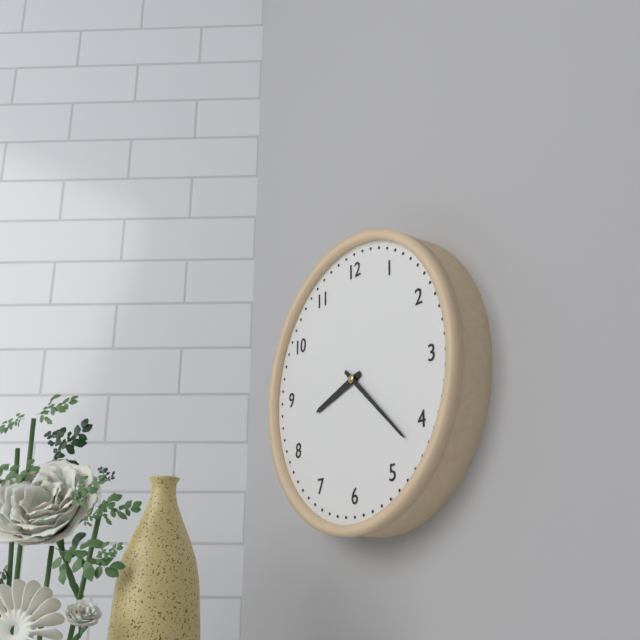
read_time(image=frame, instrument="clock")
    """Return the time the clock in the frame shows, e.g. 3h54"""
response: 8h22
